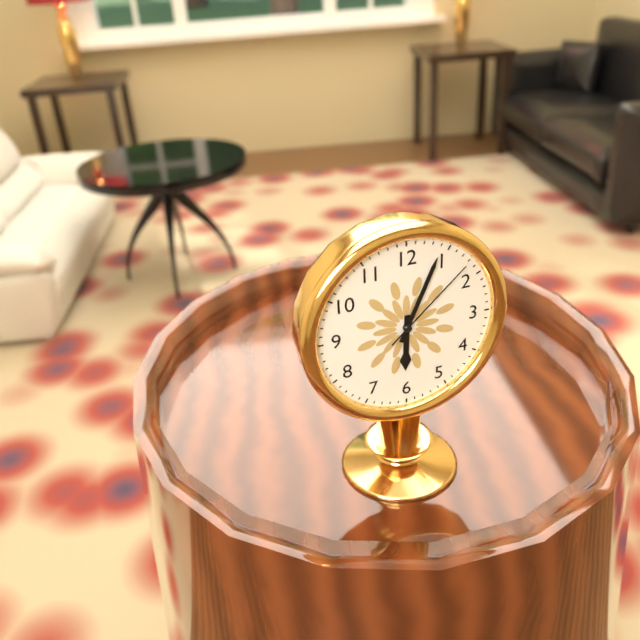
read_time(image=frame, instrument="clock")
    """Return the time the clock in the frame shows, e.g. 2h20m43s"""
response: 6h04m08s
